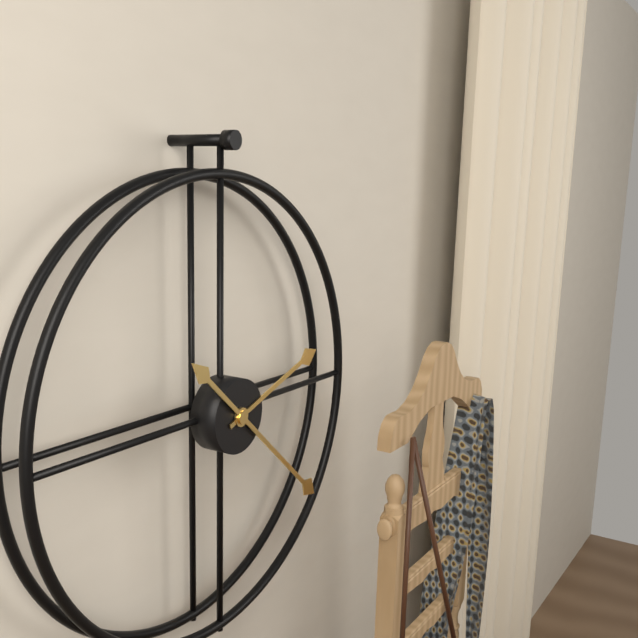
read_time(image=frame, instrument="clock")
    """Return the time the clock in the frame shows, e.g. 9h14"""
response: 2h22
